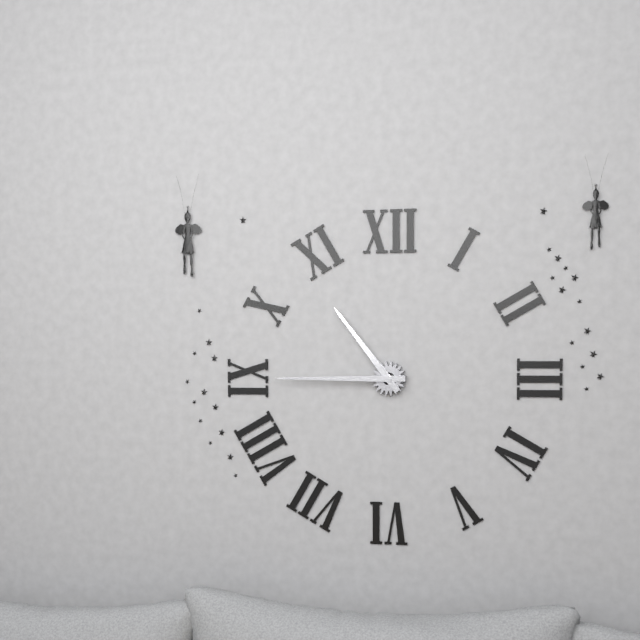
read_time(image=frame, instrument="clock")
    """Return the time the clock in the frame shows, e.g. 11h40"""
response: 10h45
